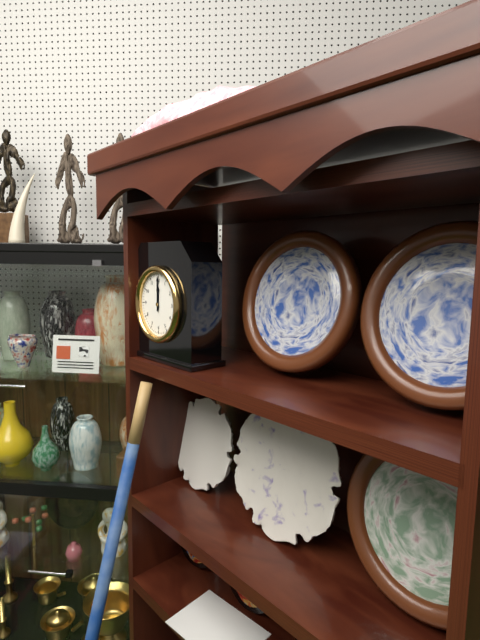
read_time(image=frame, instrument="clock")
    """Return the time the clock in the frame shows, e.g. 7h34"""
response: 12h00
